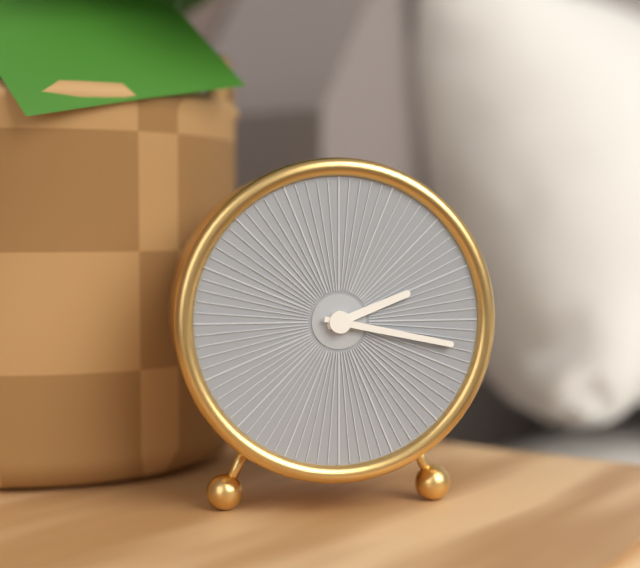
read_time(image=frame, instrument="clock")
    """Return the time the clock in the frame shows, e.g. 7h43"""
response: 2h17
